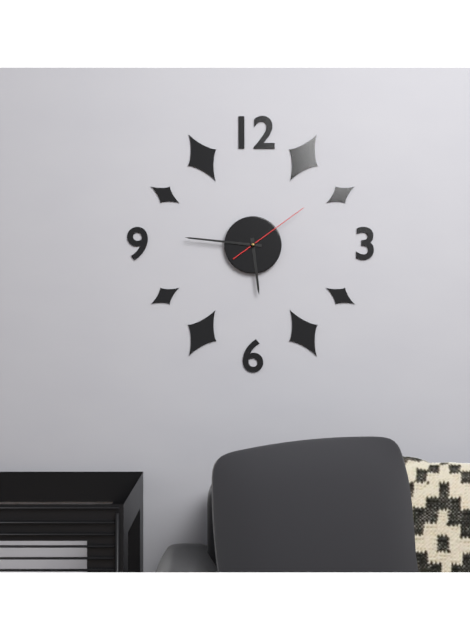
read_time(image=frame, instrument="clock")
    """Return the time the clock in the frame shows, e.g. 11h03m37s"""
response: 5h46m09s
